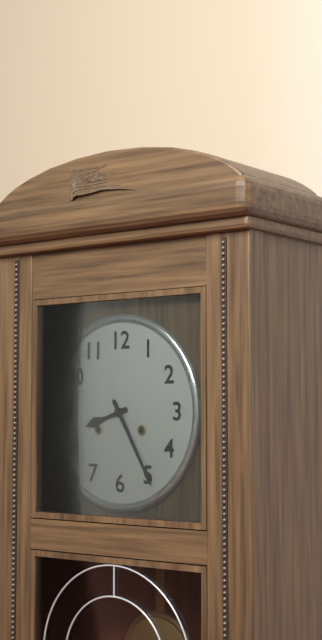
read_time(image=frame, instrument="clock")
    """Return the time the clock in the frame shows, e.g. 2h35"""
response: 8h25
